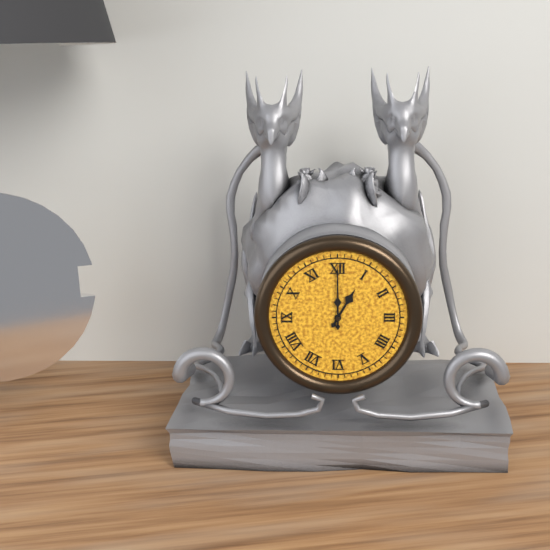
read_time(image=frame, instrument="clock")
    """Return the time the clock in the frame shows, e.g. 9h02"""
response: 1h00
